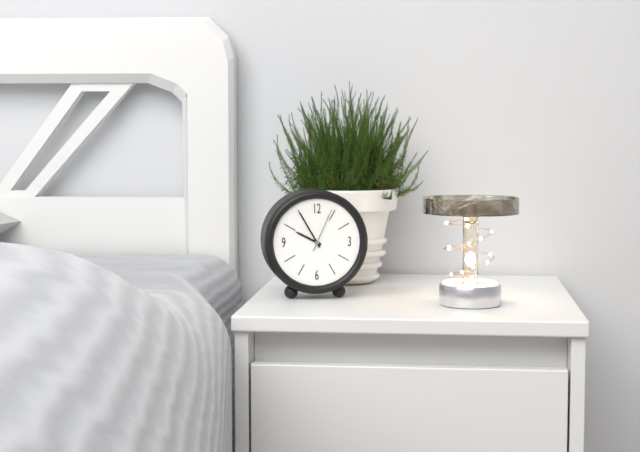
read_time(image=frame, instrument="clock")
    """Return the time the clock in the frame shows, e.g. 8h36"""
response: 9h55
